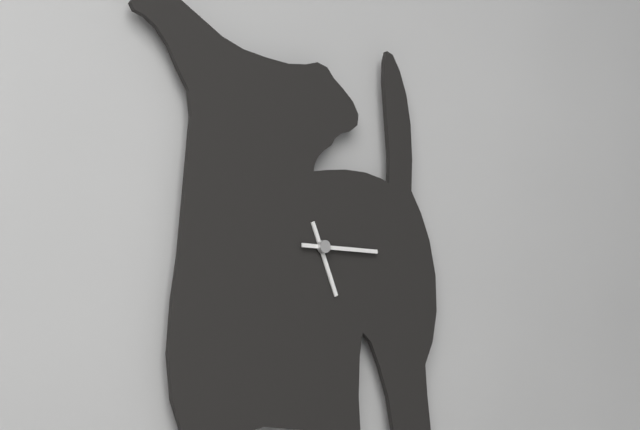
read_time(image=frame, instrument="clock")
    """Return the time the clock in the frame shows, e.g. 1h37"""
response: 5h15
